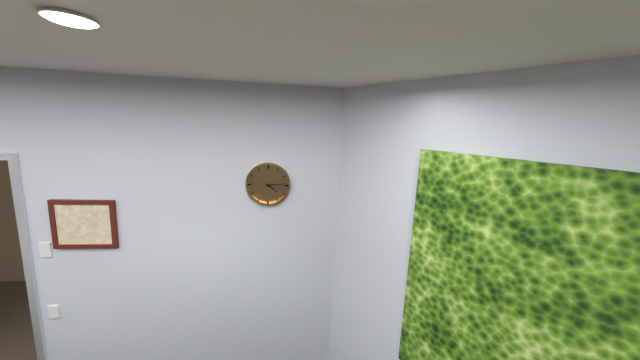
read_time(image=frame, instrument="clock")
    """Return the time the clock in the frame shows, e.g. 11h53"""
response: 4h14
